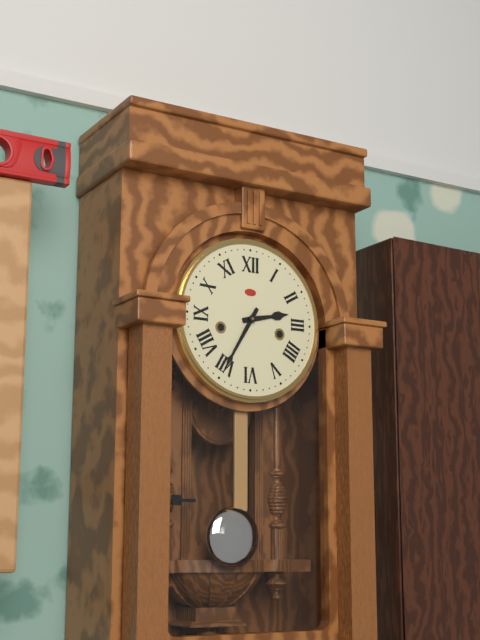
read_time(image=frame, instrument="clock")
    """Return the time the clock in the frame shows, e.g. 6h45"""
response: 2h35
